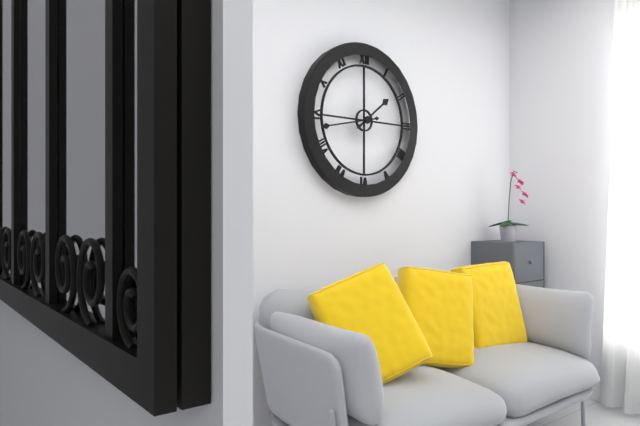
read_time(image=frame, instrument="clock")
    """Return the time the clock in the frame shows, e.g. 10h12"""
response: 1h43
